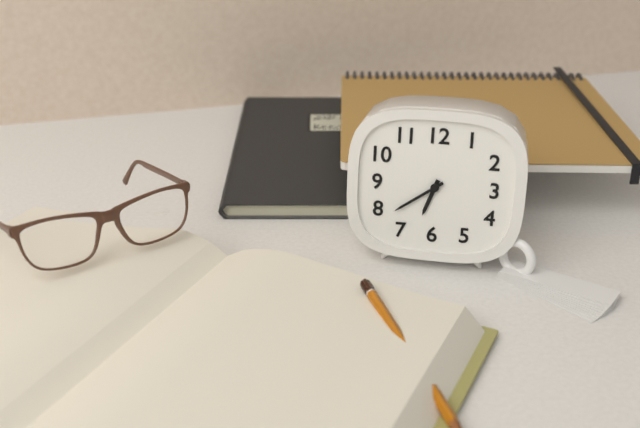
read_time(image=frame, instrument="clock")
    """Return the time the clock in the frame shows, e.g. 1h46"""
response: 6h39
